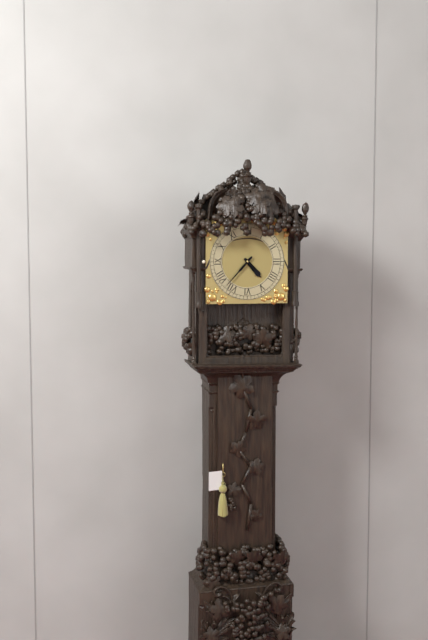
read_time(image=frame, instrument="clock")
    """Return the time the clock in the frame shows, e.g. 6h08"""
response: 4h37
